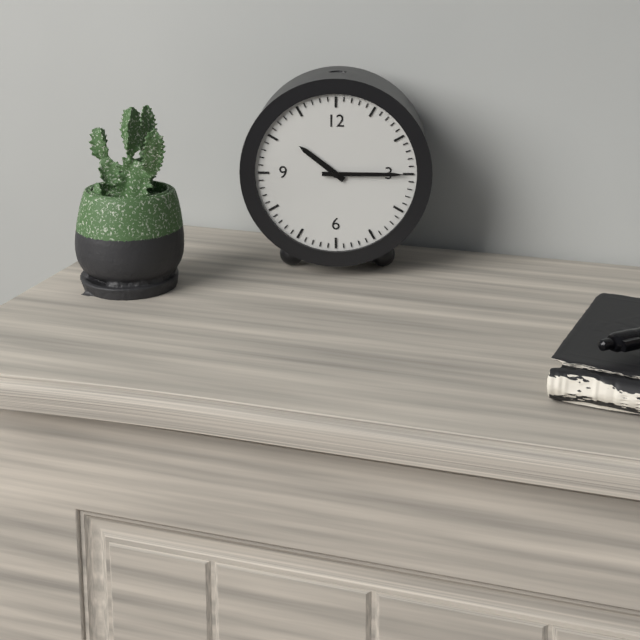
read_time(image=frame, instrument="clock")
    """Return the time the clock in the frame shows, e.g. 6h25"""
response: 10h15
